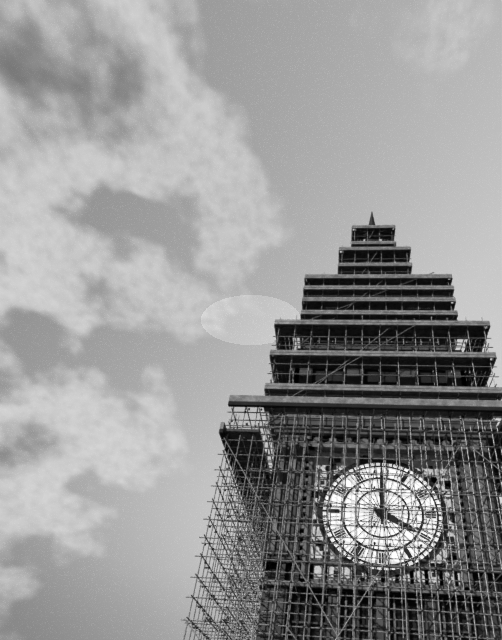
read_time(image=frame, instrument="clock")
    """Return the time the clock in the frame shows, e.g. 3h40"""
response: 4h00
